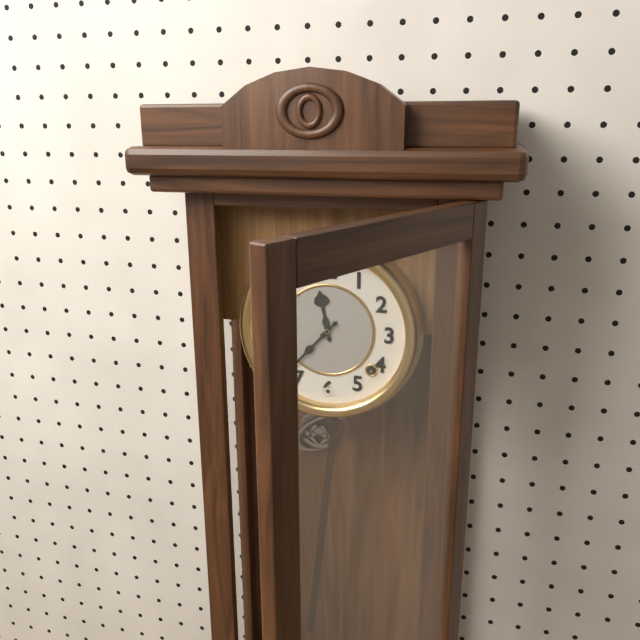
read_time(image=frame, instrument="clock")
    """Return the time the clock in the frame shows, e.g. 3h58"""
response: 11h37
